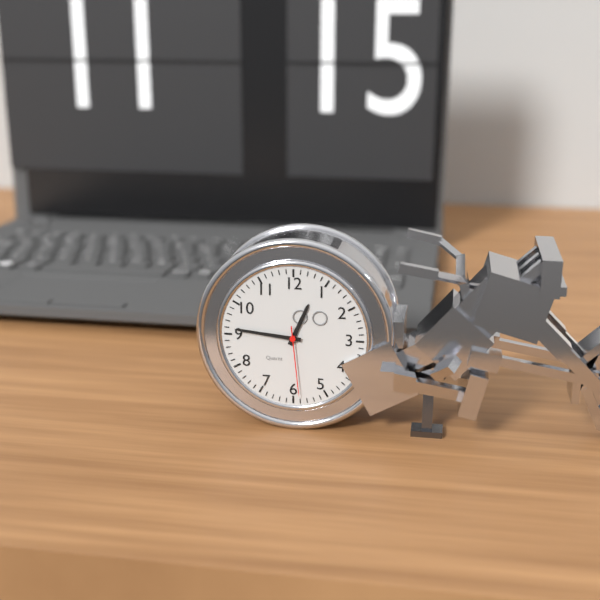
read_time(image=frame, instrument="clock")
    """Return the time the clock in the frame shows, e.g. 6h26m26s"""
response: 12h46m29s
